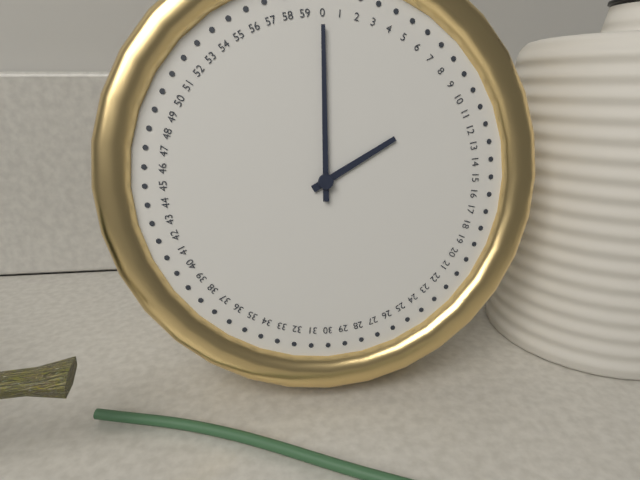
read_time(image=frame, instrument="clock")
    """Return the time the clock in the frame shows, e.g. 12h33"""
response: 2h00
